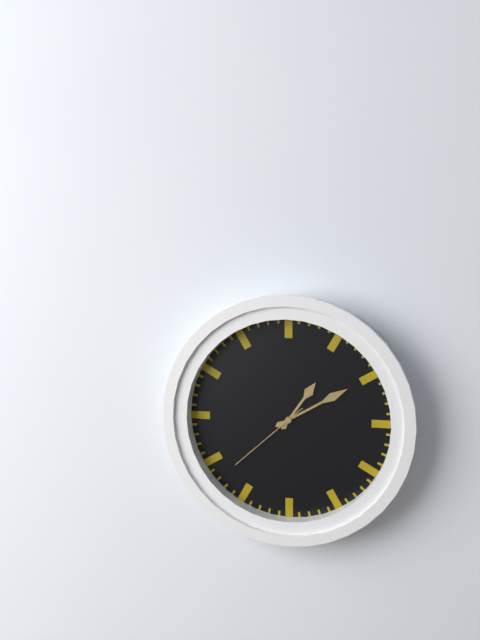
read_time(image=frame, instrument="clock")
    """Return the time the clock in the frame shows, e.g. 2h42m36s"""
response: 1h10m38s
